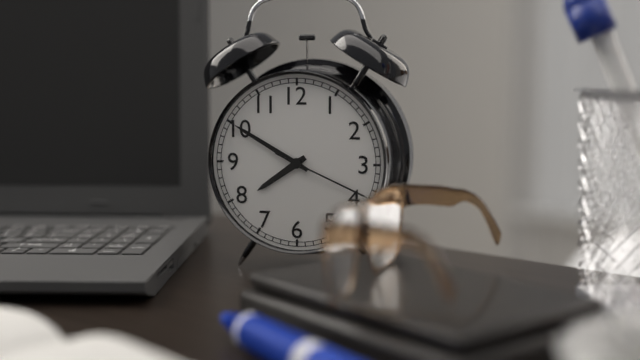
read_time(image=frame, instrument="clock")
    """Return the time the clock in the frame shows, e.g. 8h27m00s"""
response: 7h50m19s
